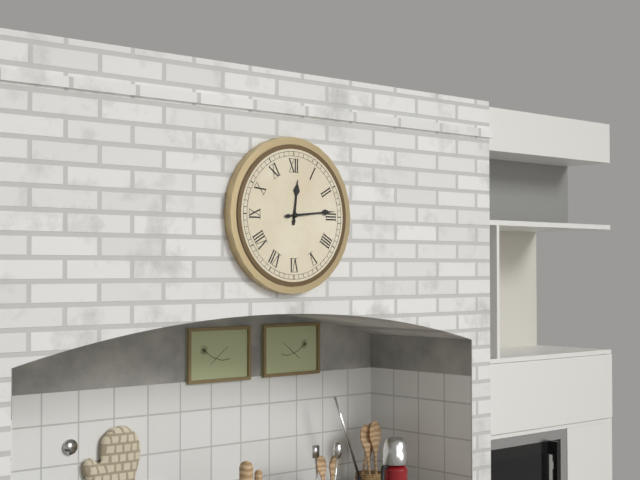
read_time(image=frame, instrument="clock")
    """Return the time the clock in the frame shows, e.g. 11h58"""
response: 12h14
